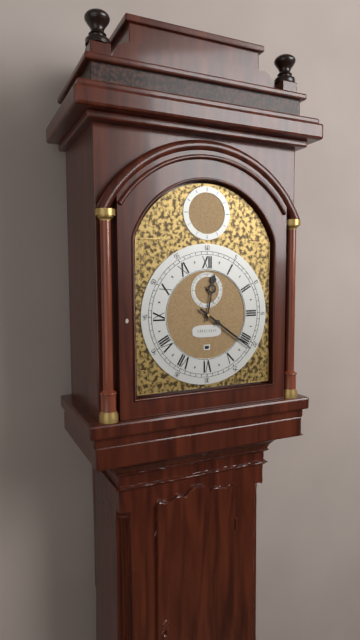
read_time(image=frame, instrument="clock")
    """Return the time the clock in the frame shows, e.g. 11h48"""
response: 12h21
